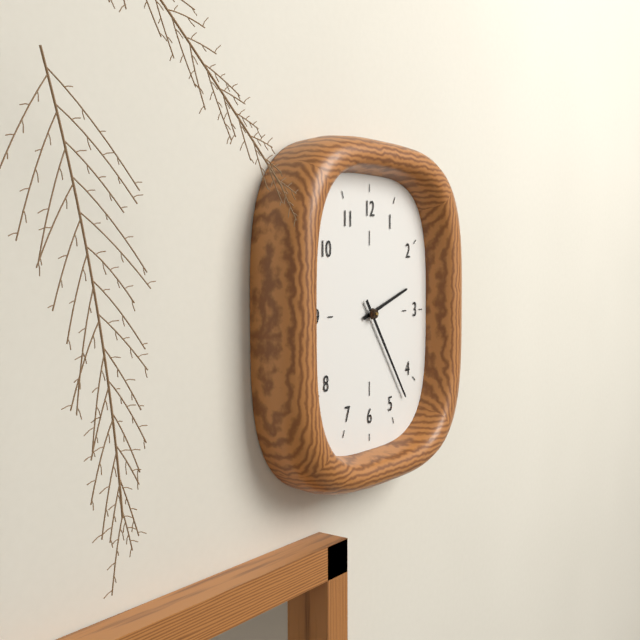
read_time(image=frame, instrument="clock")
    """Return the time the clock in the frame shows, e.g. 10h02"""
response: 2h24
